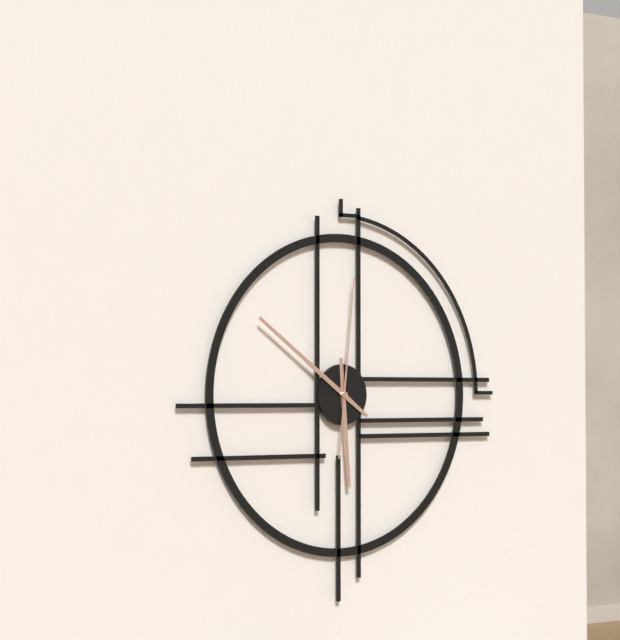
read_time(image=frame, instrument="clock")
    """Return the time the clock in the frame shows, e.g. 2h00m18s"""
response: 5h51m01s
